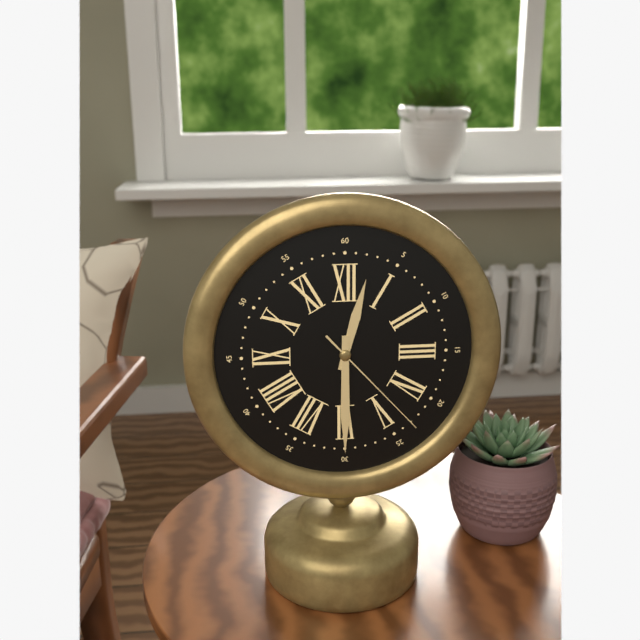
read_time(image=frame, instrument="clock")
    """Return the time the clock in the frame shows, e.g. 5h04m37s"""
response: 12h30m23s
